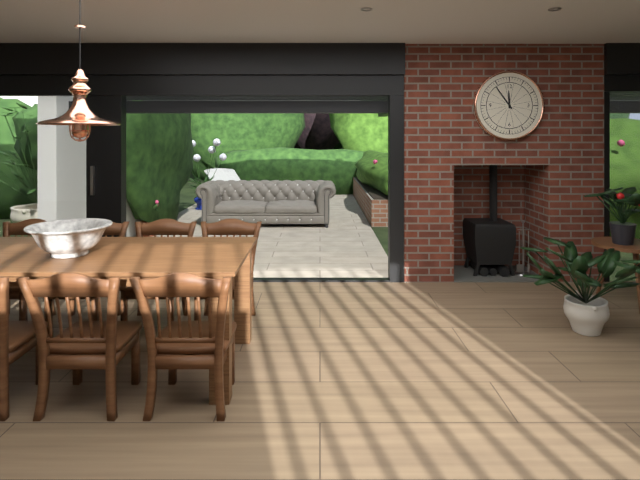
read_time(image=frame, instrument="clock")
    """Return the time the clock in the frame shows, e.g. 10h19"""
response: 11h54
